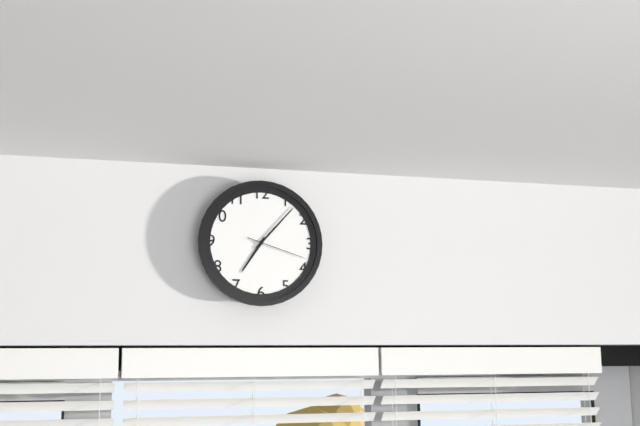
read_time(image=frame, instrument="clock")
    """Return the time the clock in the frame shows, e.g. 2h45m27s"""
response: 7h07m18s
